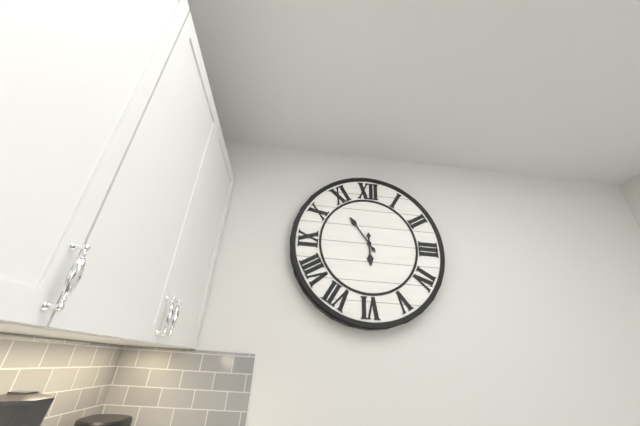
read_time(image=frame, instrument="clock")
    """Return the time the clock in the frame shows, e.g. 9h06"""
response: 5h54
